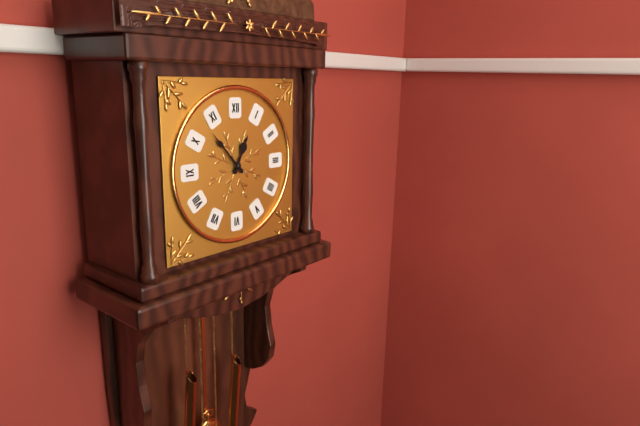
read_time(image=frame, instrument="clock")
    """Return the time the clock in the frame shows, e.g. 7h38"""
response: 12h53
